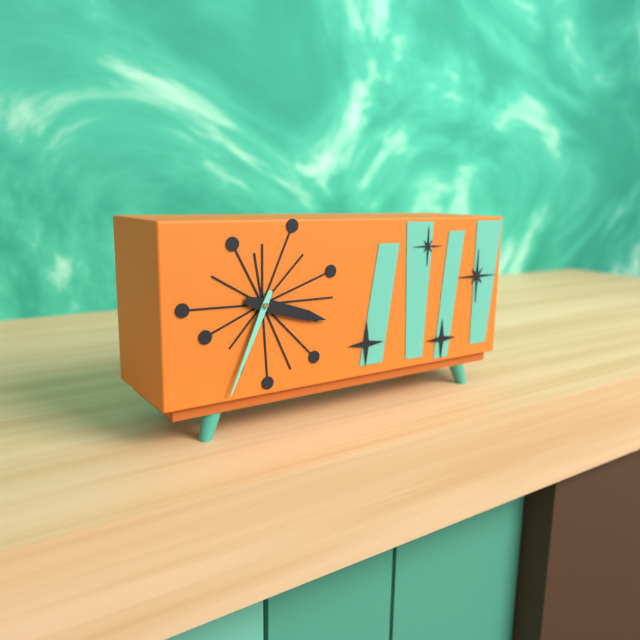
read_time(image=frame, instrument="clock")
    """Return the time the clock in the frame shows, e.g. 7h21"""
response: 3h34
